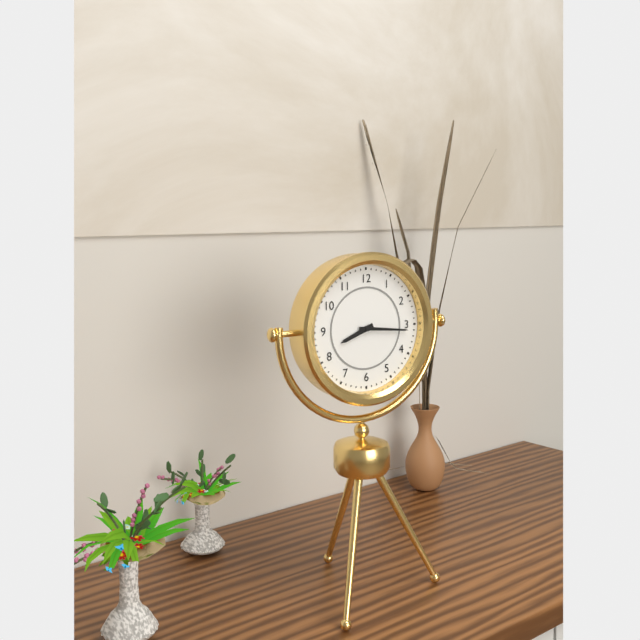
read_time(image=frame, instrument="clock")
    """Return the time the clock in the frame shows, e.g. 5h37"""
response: 8h16
